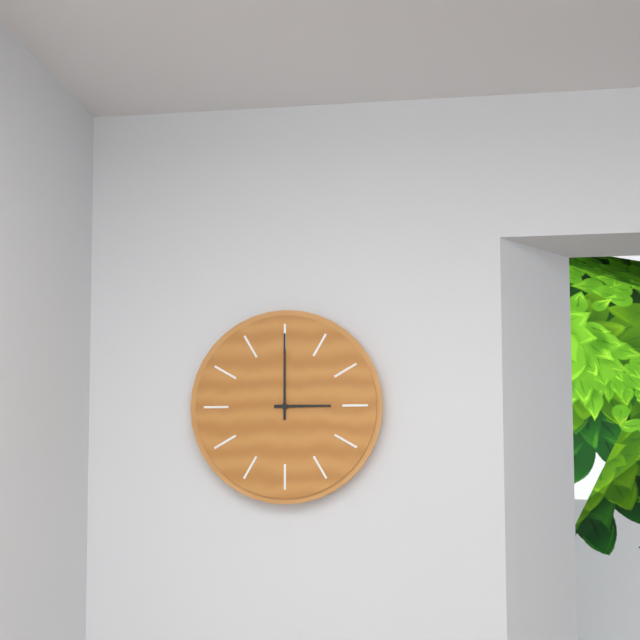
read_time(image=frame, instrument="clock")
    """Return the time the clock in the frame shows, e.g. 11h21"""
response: 3h00
